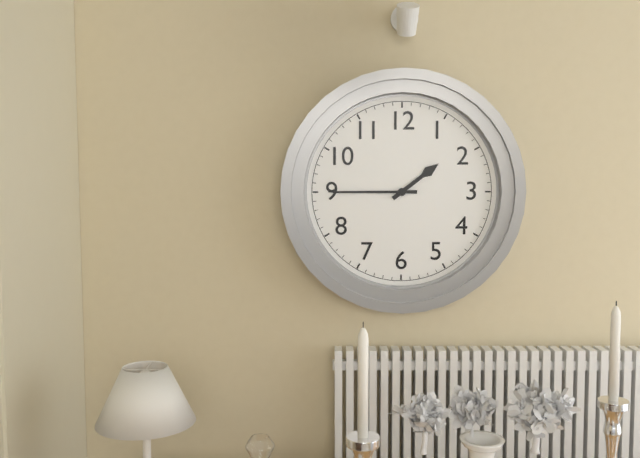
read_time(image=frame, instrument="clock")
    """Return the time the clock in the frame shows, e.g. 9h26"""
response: 1h45
